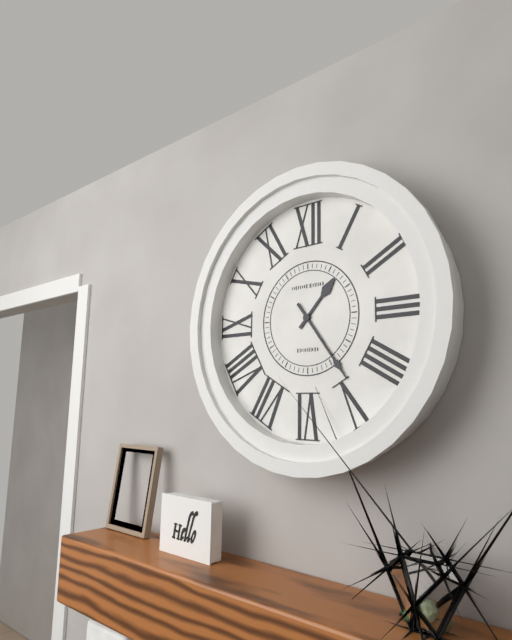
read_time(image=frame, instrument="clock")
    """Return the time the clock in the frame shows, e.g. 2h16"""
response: 1h24
